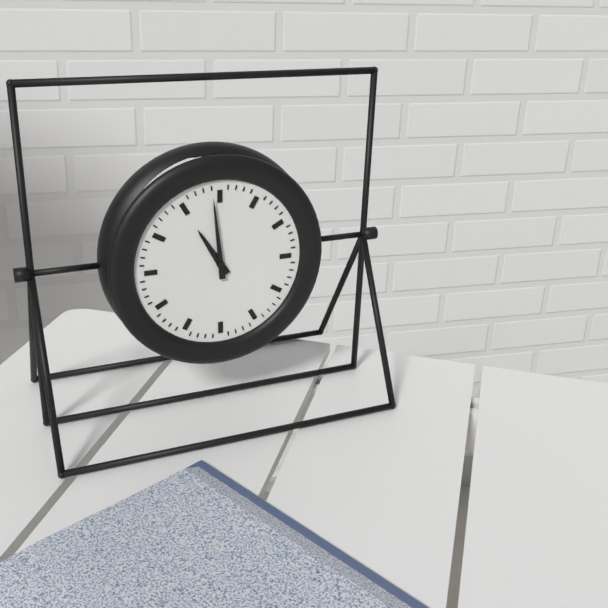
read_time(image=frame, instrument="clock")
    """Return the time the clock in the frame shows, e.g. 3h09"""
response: 10h59
